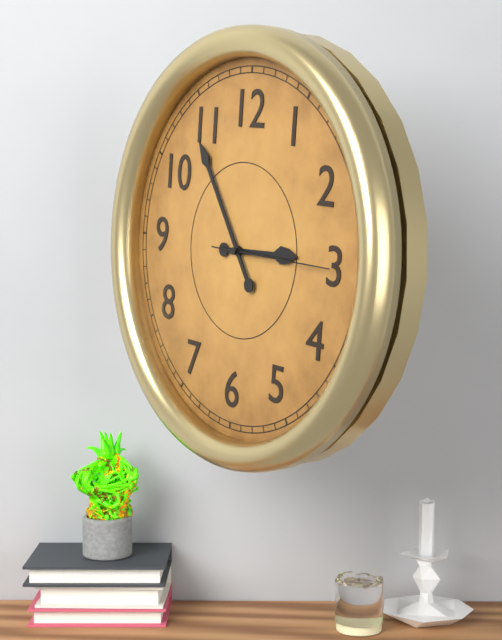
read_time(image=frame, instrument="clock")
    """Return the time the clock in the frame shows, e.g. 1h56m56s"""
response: 2h54m15s
